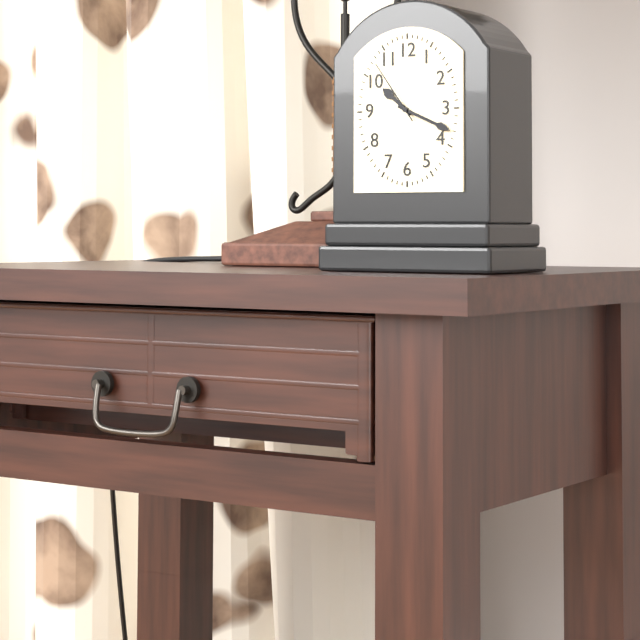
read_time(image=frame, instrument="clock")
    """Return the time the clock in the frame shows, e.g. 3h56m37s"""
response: 10h19m54s
